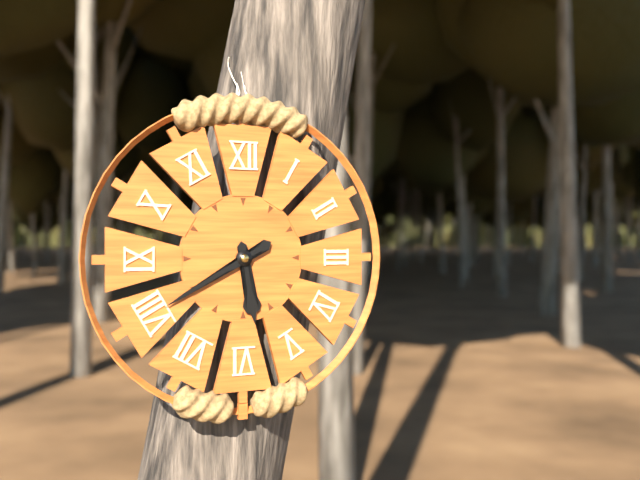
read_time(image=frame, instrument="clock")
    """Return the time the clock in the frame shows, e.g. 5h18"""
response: 5h40
